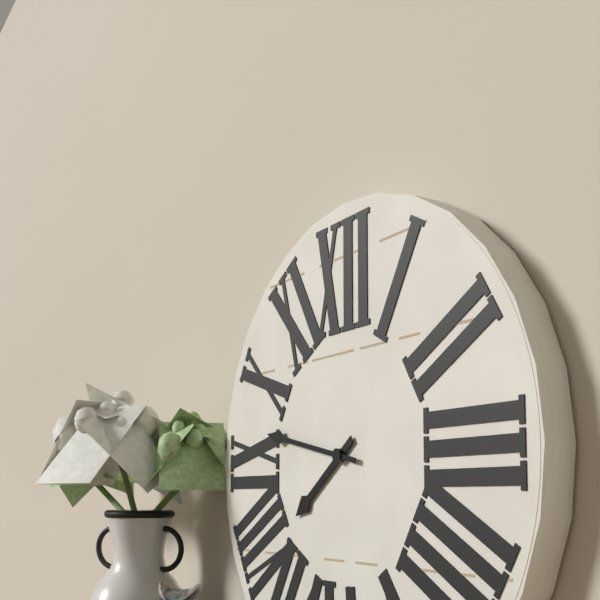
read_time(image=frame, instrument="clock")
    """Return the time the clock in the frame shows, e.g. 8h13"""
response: 7h47
